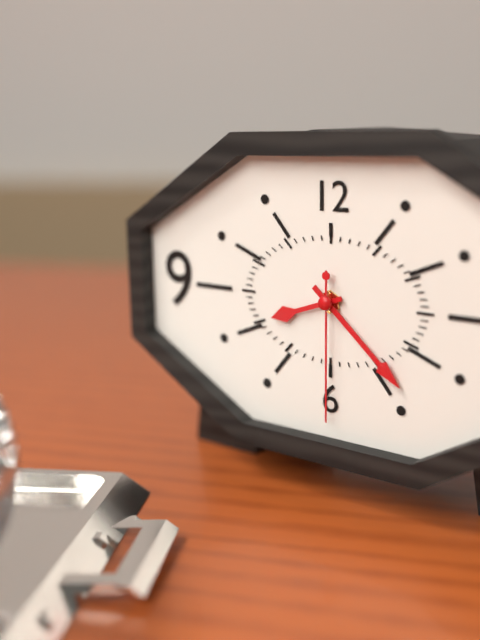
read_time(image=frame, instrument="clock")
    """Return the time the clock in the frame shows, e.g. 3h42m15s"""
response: 8h22m30s
